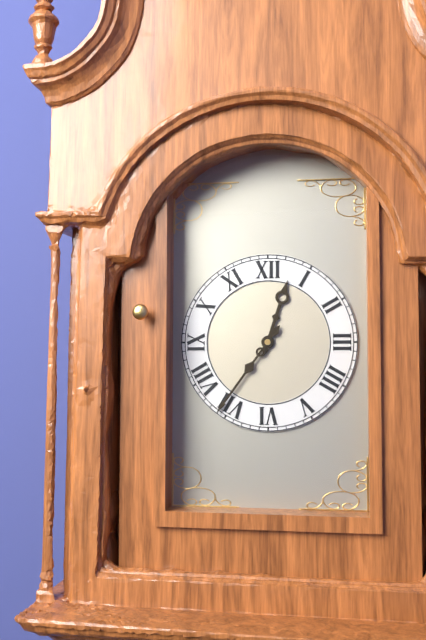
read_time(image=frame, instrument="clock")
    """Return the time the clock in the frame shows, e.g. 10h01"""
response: 12h36
